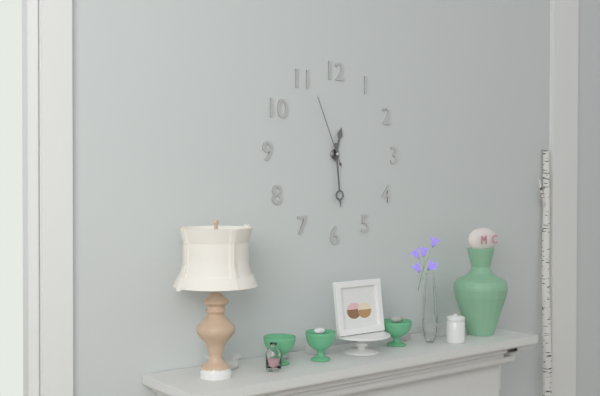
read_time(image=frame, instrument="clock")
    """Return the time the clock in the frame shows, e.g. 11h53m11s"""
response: 12h29m56s
